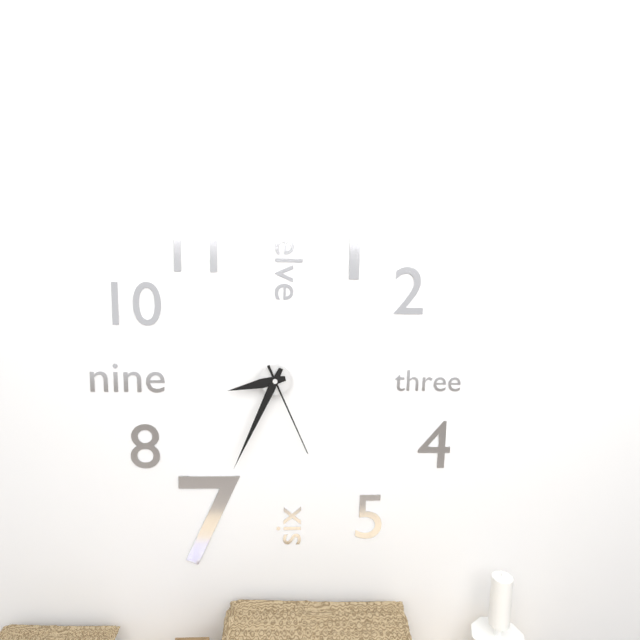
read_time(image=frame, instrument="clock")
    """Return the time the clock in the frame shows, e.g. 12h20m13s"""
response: 8h34m26s
